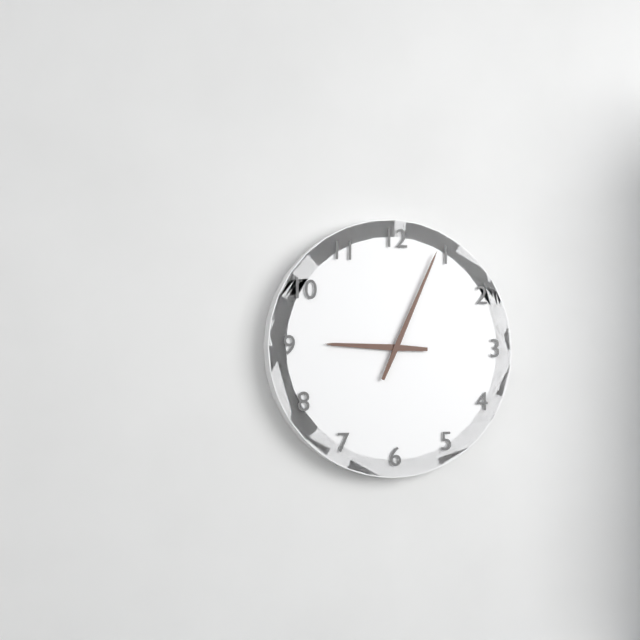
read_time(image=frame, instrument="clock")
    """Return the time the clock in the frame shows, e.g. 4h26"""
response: 9h04
